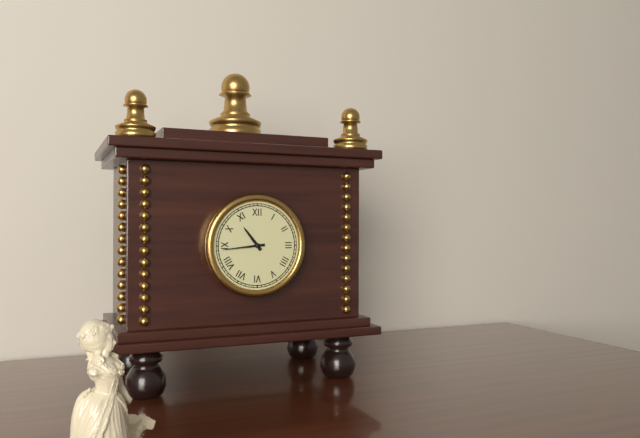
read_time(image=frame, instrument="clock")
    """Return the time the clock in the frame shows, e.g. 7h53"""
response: 10h44
